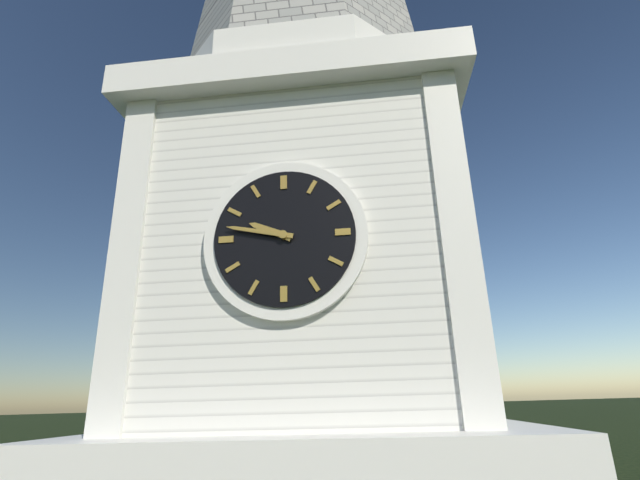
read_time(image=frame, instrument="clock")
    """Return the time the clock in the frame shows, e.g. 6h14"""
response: 9h47
